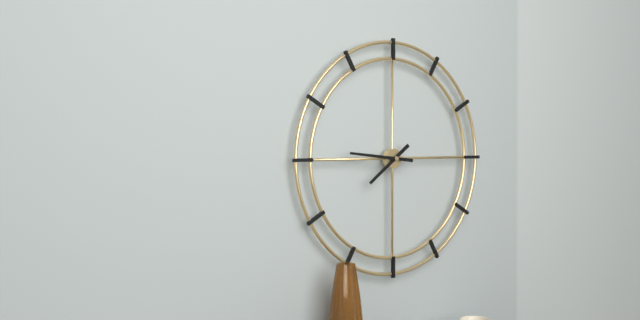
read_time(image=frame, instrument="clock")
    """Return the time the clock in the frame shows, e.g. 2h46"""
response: 7h46
